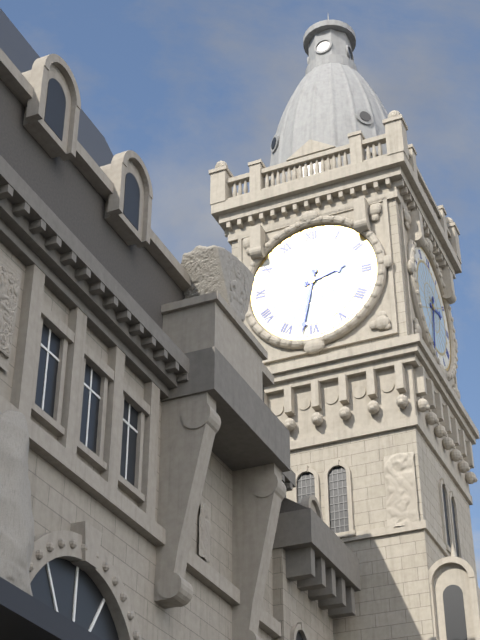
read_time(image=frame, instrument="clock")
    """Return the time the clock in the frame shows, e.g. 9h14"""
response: 2h32
